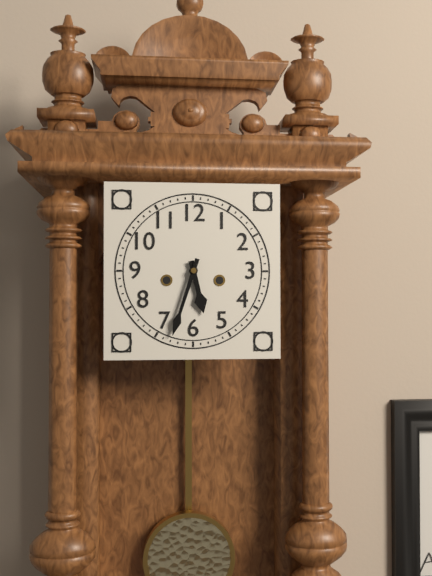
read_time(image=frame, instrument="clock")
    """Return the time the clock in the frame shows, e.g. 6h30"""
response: 5h33
